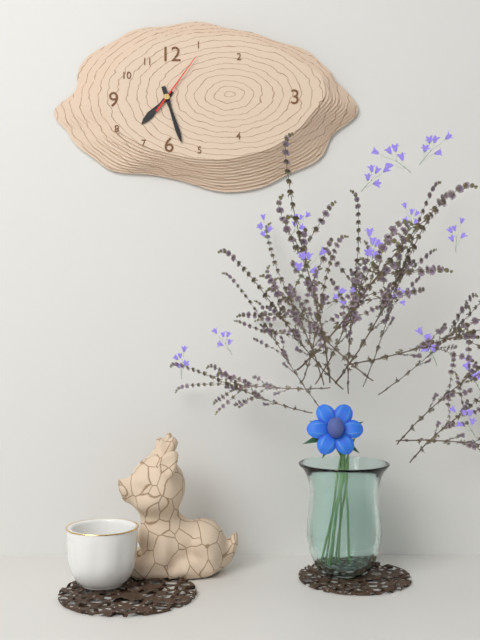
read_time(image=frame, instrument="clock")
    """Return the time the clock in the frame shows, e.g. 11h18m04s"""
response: 7h27m06s
